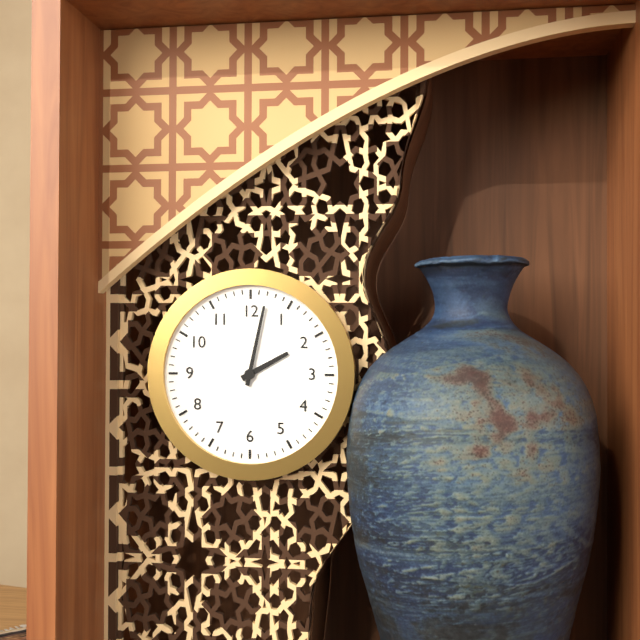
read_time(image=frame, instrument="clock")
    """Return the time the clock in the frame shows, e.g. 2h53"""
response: 2h02
